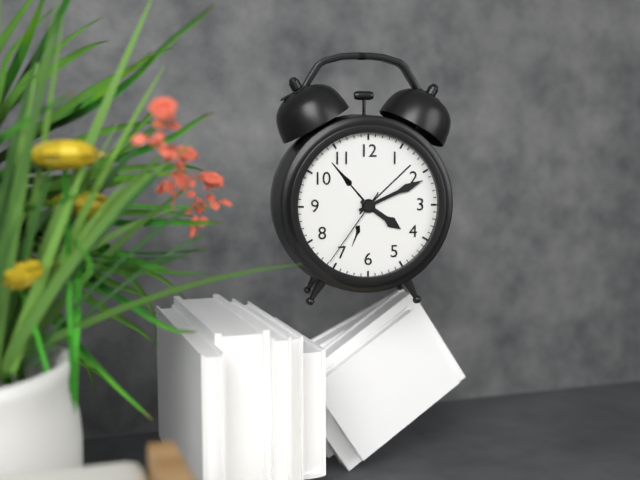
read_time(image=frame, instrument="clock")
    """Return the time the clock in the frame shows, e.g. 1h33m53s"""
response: 4h11m36s
